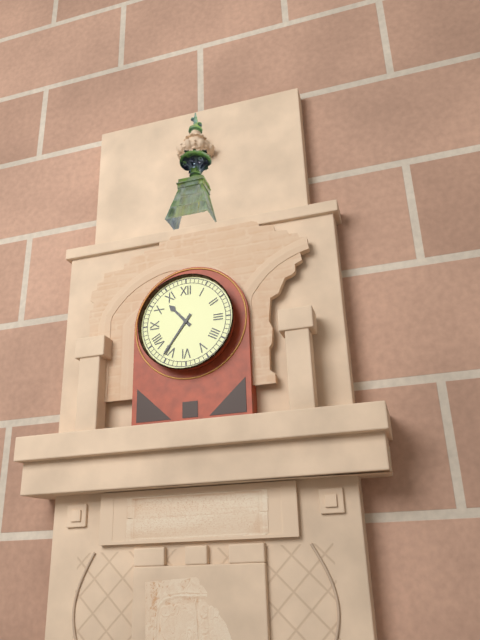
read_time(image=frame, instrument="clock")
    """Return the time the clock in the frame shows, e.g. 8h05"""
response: 10h36
